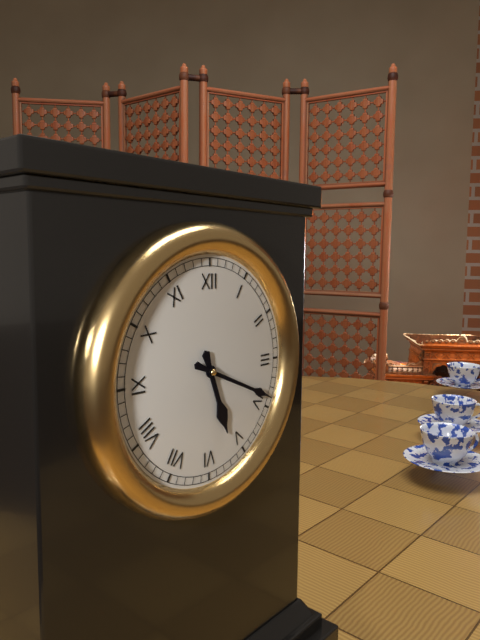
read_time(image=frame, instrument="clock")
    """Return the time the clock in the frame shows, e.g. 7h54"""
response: 5h19
